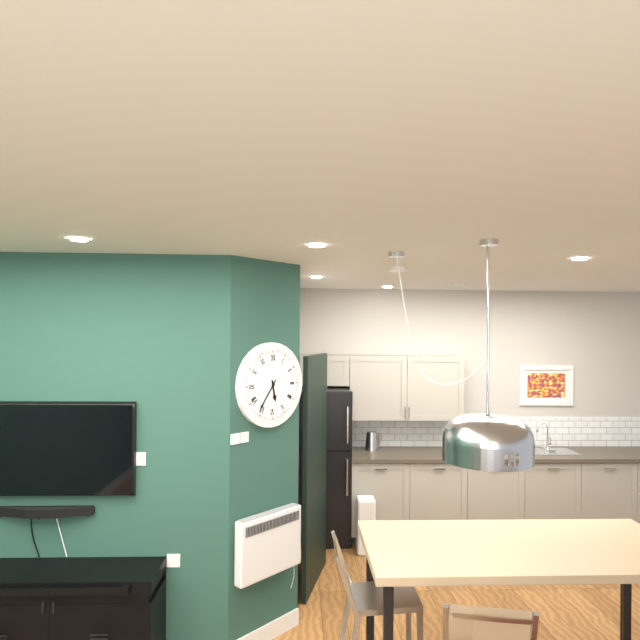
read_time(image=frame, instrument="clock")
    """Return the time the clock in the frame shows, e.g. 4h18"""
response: 5h36
